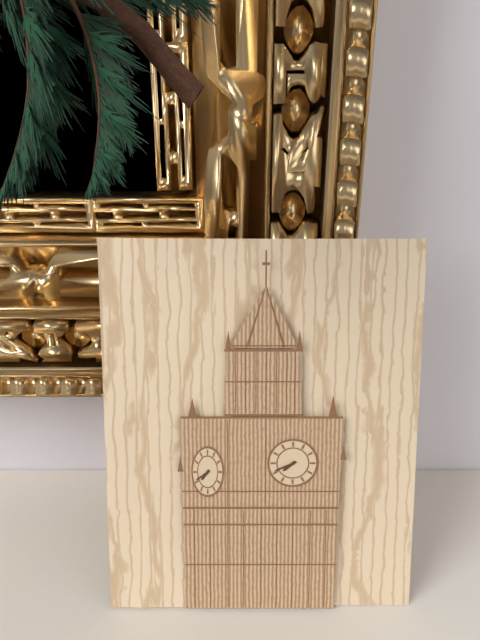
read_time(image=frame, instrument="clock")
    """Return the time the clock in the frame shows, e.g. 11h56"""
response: 7h41
